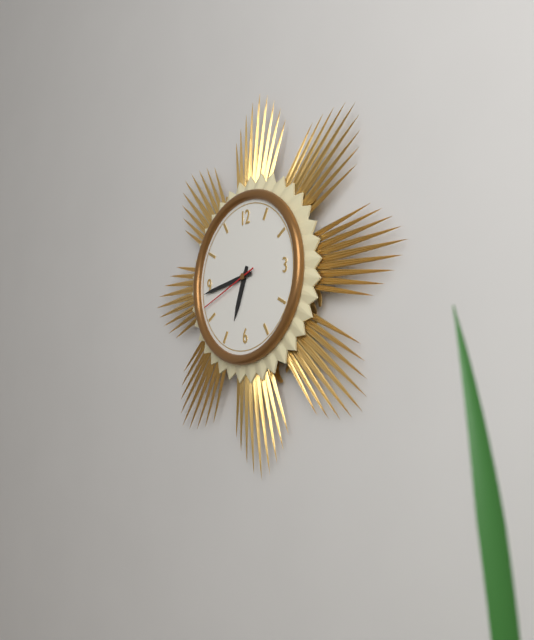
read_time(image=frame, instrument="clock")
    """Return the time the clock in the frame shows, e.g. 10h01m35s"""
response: 6h44m42s
